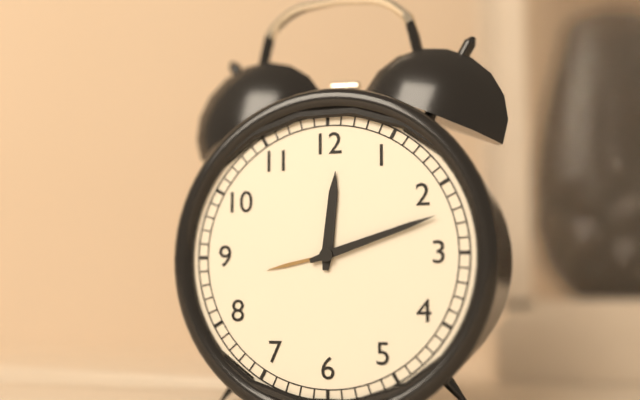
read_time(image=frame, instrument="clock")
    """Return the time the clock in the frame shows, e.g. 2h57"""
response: 12h12
